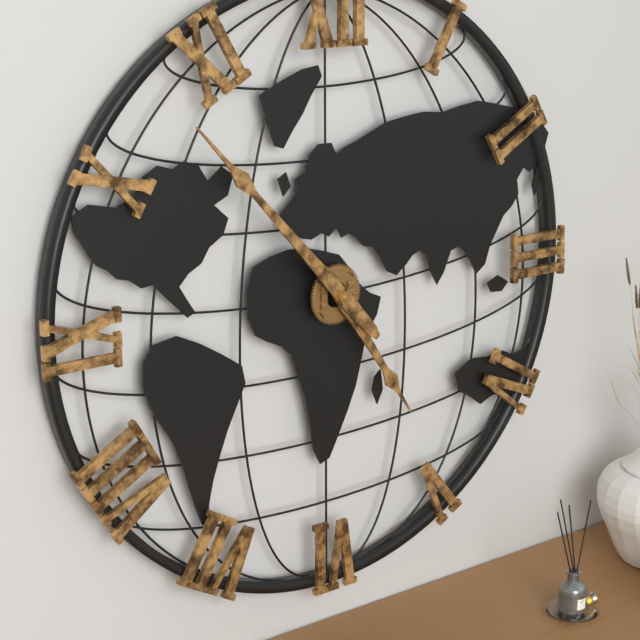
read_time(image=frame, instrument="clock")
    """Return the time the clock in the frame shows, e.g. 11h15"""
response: 4h53
